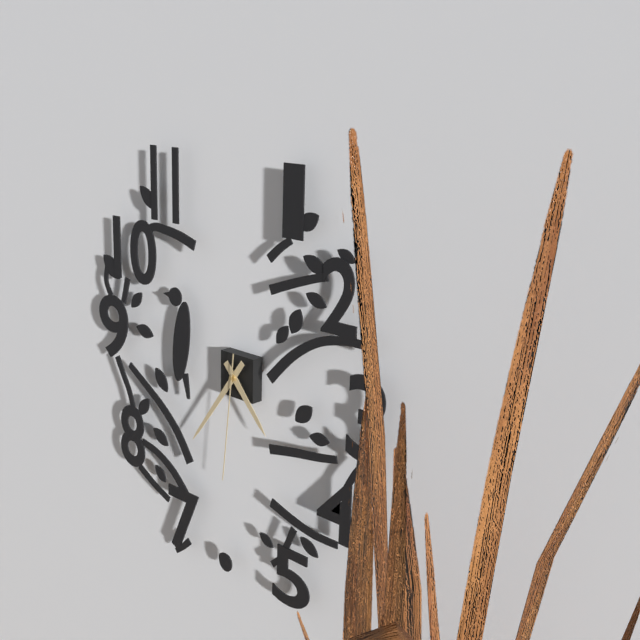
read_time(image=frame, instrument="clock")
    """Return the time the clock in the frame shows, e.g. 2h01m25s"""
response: 4h36m31s
